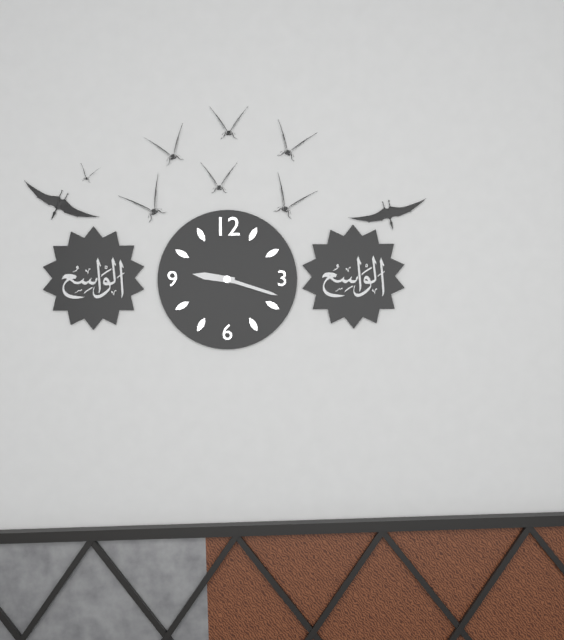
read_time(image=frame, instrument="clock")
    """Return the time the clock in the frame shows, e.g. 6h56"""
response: 9h18
